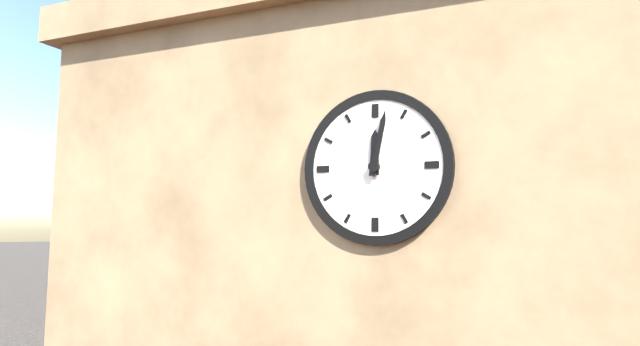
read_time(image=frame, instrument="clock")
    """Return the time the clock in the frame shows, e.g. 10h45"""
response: 12h02
